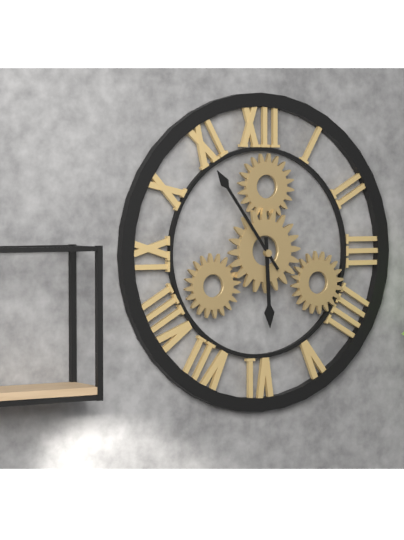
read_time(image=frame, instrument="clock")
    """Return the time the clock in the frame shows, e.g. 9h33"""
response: 5h54
